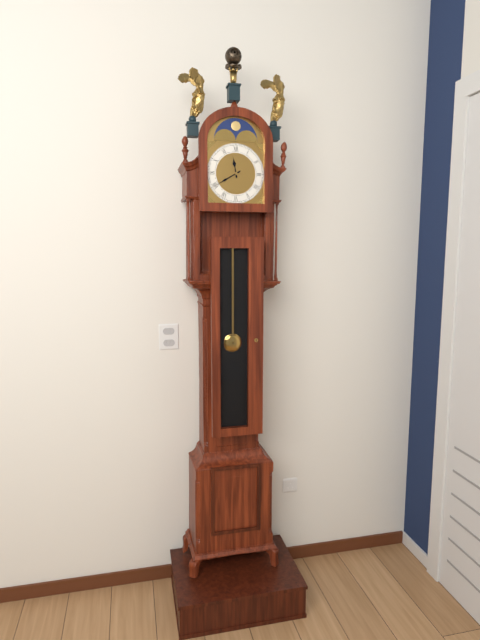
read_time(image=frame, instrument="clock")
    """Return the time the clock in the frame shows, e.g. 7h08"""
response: 11h40
